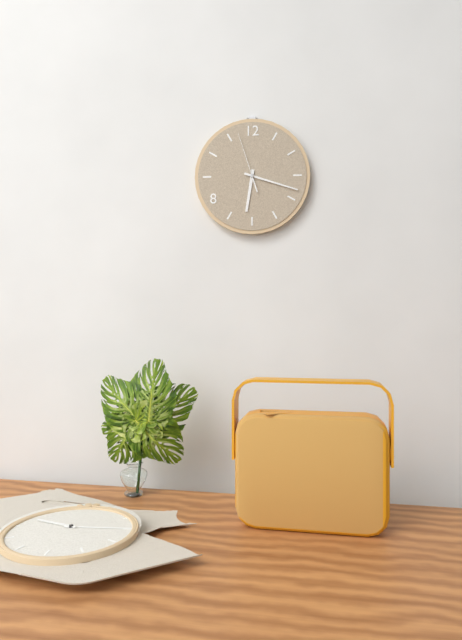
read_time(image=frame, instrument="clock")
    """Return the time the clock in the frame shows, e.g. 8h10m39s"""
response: 6h18m57s
